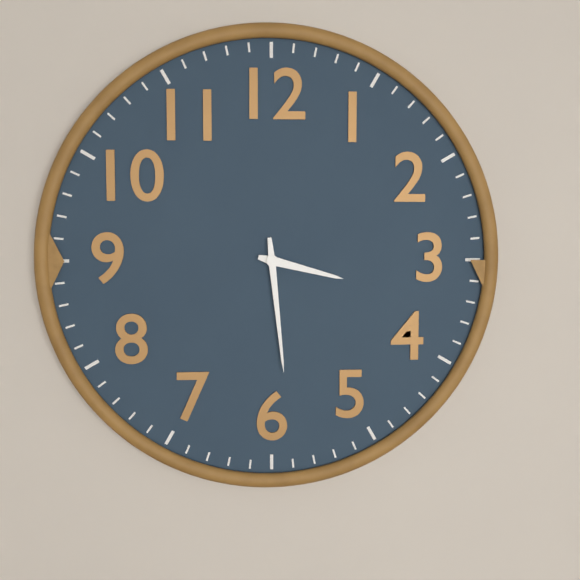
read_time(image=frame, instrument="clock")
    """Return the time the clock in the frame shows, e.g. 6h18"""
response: 3h29
